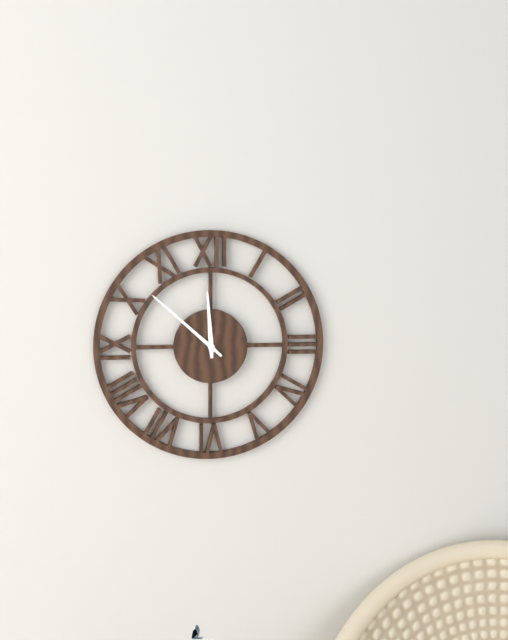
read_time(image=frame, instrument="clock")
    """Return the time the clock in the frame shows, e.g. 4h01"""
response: 11h52
